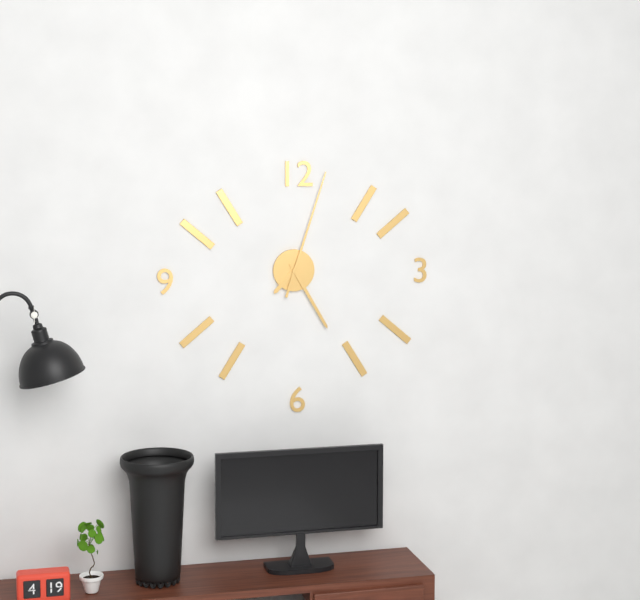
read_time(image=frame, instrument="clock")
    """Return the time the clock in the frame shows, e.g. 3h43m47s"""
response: 7h25m03s
